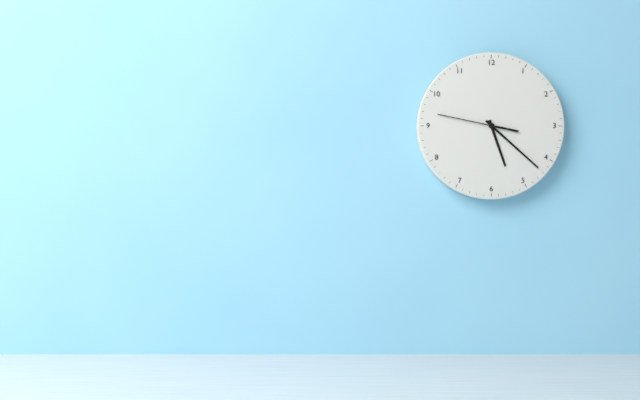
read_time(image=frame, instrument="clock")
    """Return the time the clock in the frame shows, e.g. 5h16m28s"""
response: 5h22m47s
